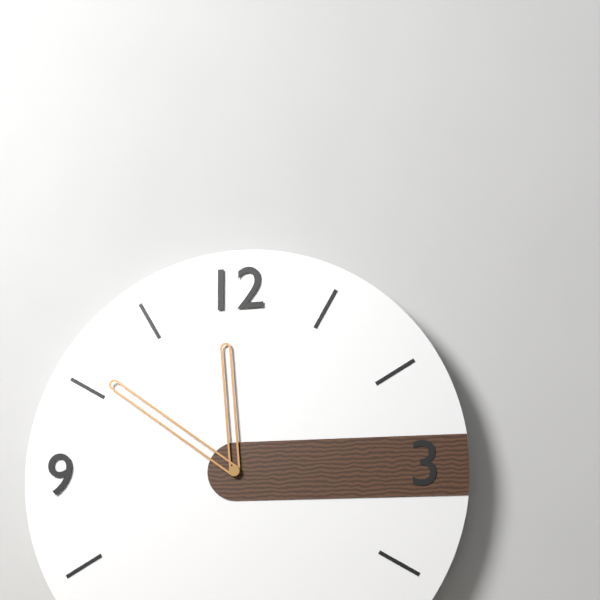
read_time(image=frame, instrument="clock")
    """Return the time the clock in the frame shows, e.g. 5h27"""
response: 11h51
